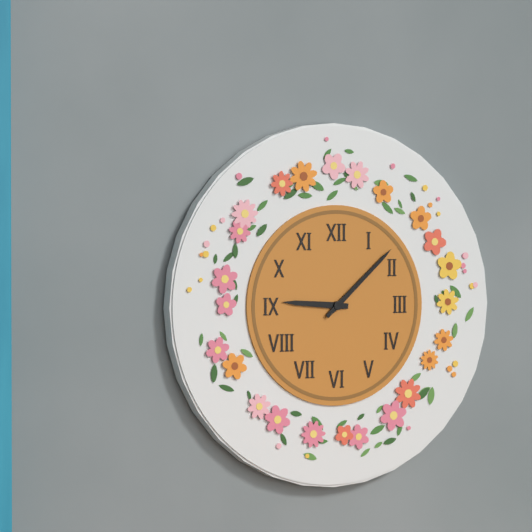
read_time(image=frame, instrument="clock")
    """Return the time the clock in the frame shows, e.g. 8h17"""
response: 9h08
